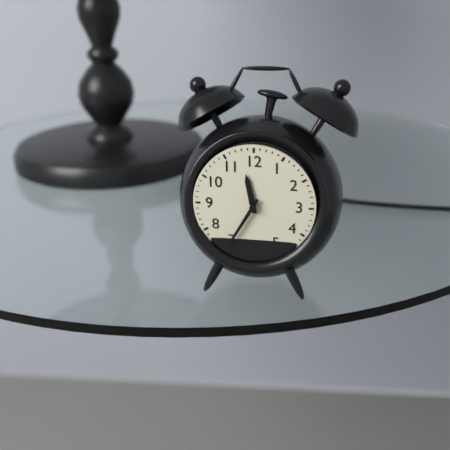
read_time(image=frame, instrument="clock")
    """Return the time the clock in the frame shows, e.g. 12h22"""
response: 11h35
